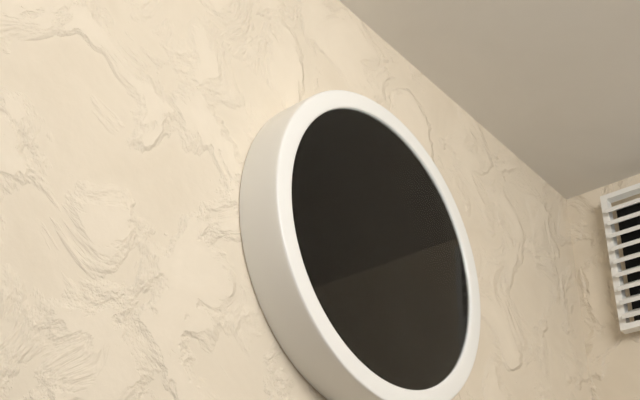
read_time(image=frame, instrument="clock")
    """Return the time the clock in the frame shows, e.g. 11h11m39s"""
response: 11h45m31s
